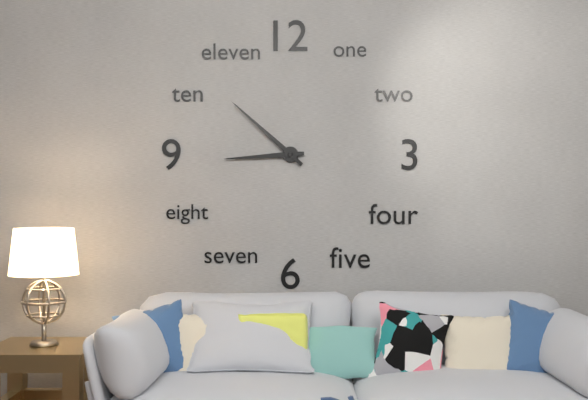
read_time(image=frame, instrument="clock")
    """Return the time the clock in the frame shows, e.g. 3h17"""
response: 8h52
